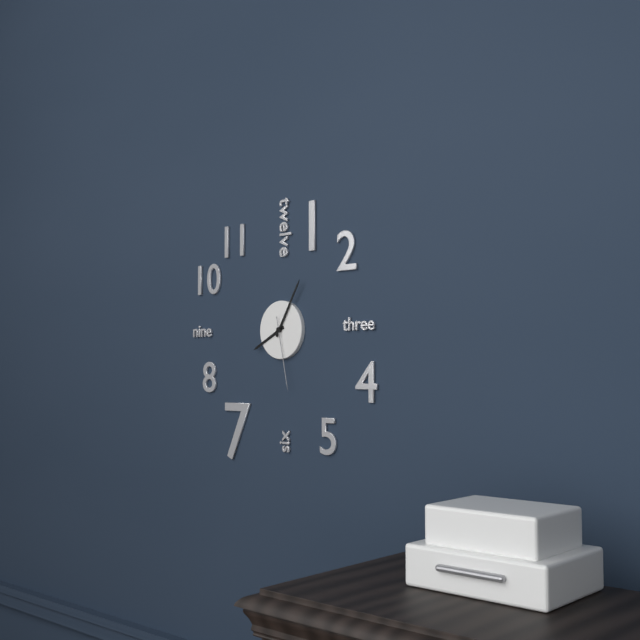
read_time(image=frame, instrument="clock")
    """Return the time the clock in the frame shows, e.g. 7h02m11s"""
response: 8h05m28s
